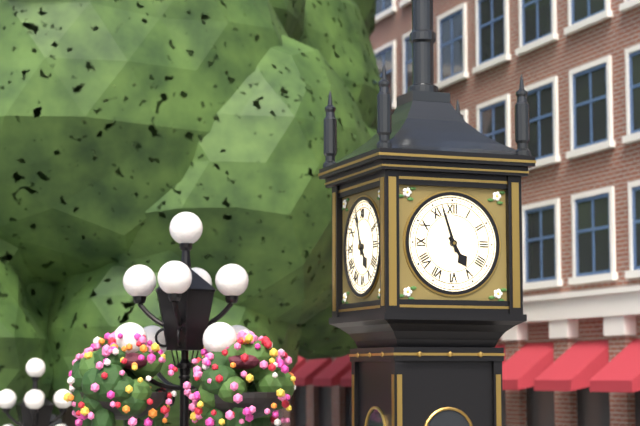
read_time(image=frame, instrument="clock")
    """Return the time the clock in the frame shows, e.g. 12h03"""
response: 4h57
